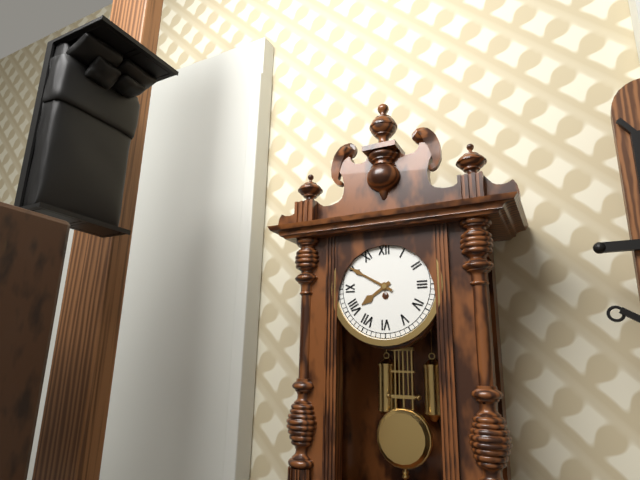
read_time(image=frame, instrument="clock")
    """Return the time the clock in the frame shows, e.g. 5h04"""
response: 7h50
